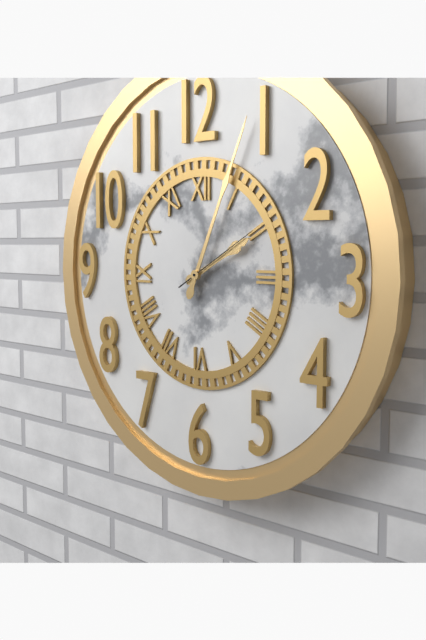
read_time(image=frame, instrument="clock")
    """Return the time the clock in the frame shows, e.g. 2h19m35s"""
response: 2h04m10s
